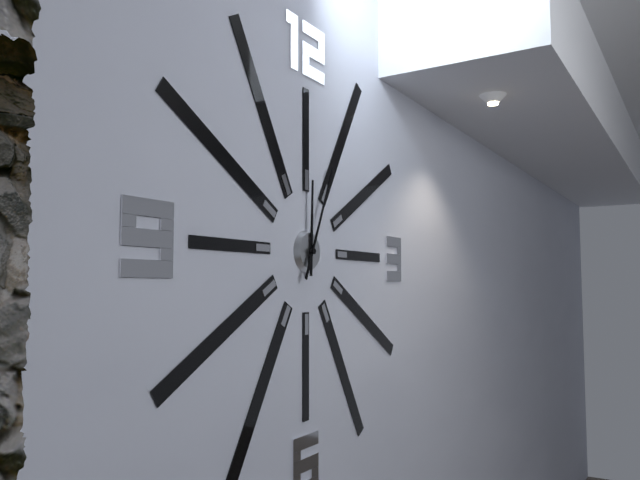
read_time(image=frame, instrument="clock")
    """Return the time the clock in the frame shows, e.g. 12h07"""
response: 12h04
